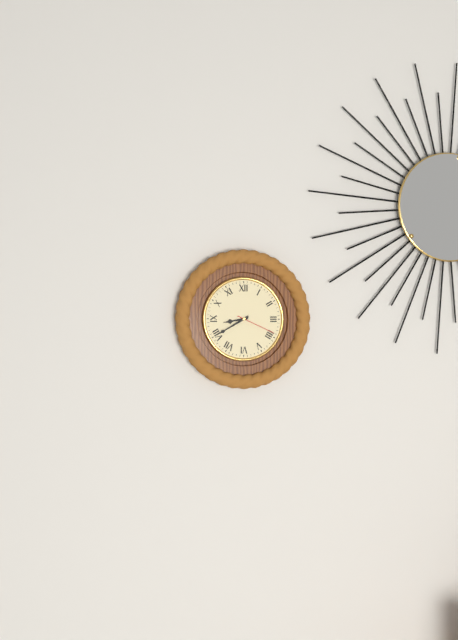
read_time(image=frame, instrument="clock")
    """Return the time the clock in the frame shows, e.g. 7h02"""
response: 8h40
